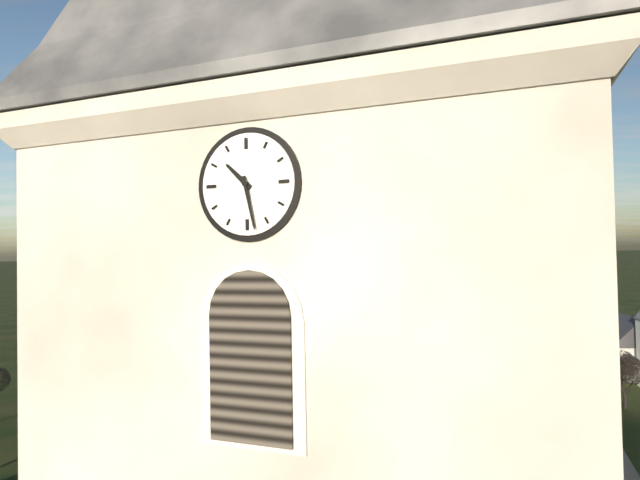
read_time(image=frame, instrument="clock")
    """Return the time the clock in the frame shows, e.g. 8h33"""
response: 10h28
